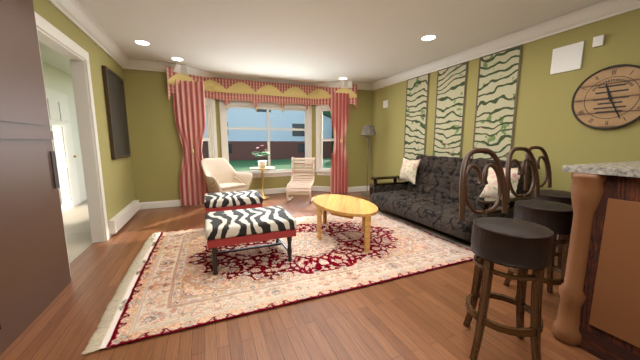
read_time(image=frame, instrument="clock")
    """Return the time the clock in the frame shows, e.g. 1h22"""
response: 11h26
